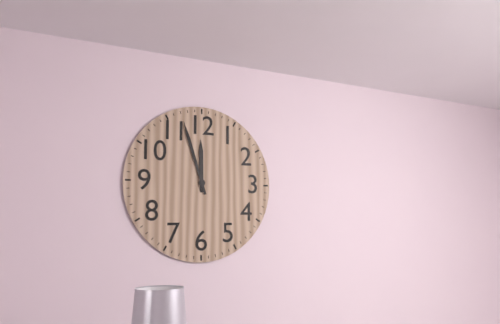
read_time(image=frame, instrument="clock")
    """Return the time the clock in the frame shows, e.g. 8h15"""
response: 11h57
